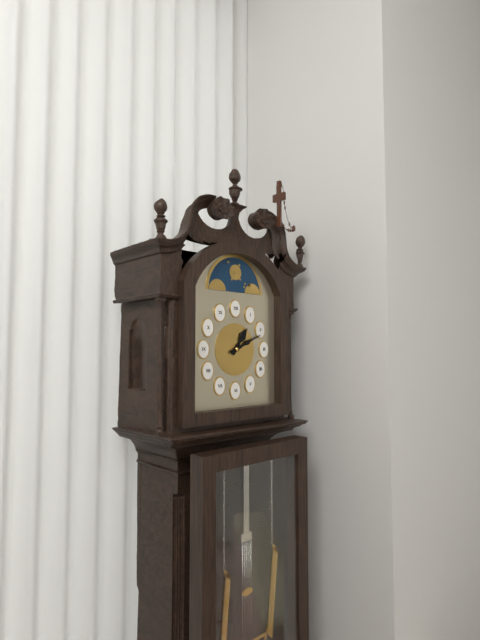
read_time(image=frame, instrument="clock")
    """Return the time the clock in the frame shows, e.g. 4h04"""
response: 1h11
